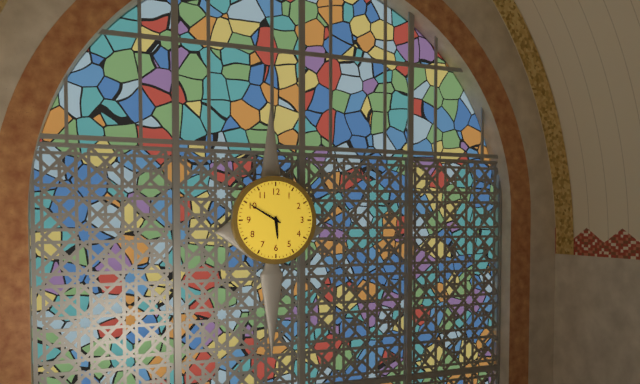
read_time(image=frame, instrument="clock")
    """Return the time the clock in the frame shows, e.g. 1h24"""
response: 5h50
